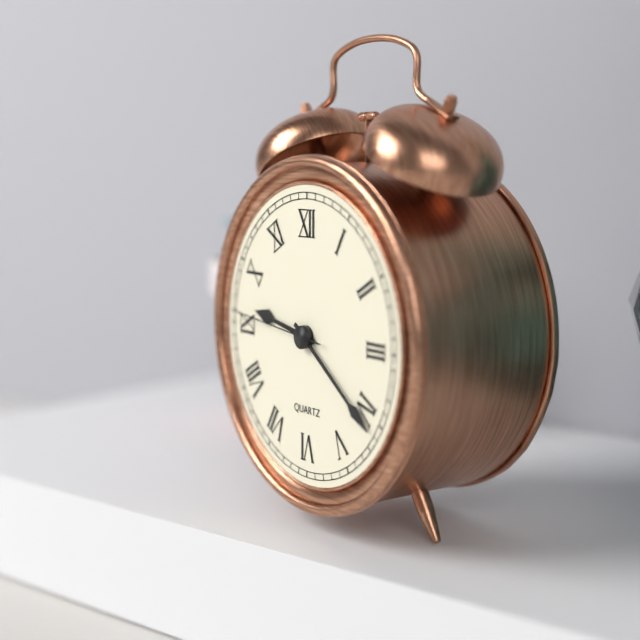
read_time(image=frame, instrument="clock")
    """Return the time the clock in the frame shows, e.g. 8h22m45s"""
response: 9h21m46s
